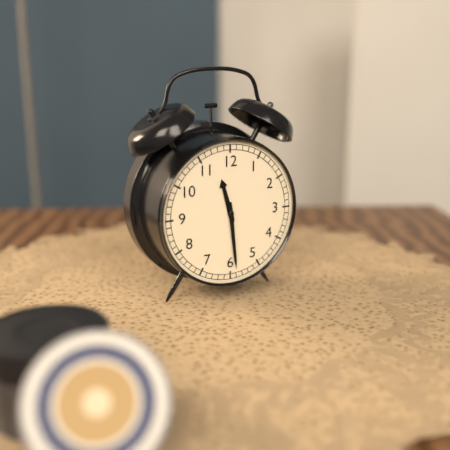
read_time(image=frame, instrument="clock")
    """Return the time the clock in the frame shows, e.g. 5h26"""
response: 11h29
